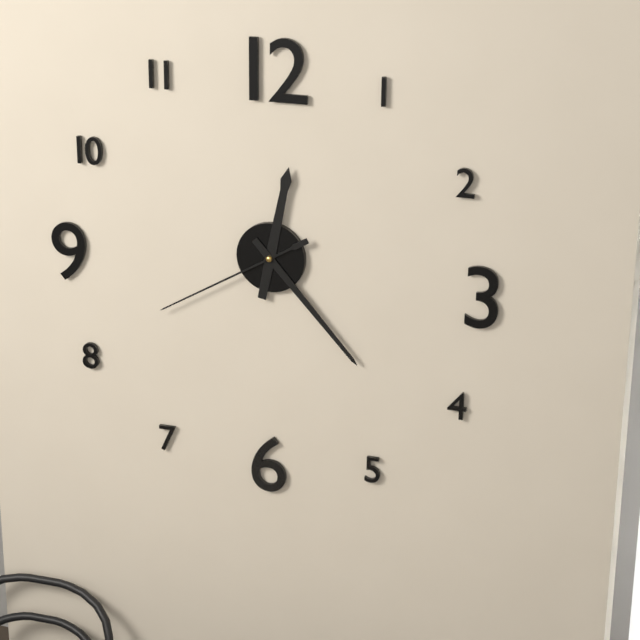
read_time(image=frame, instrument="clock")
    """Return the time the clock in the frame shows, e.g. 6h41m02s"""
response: 12h23m40s
